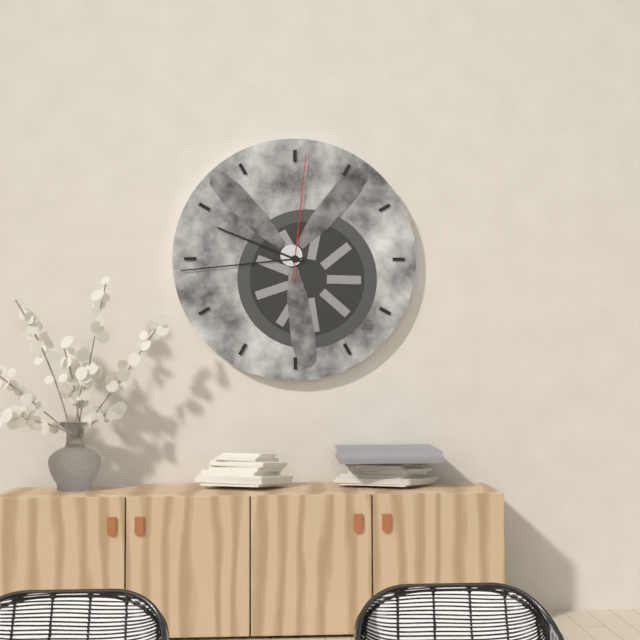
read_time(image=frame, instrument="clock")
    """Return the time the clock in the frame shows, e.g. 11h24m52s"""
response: 9h44m01s
